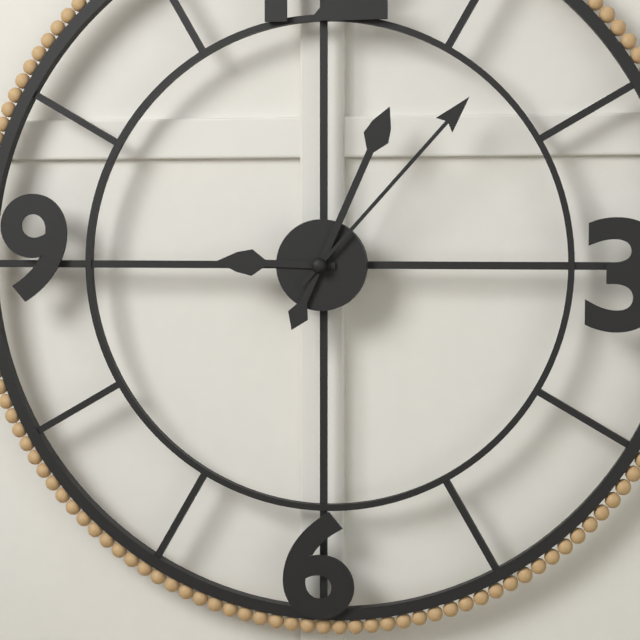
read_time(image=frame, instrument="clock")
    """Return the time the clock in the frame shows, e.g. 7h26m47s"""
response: 9h04m07s
